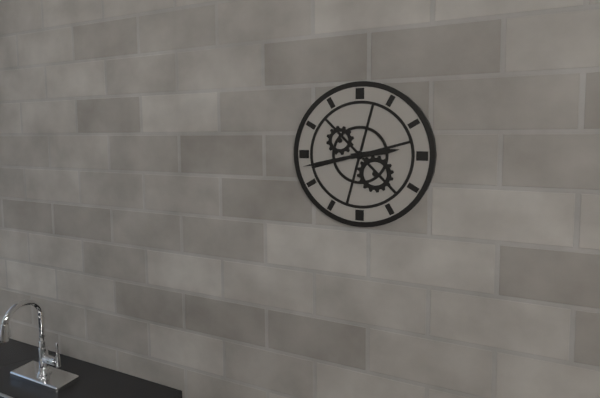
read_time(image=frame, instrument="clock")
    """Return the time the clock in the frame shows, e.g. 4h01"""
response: 2h43
